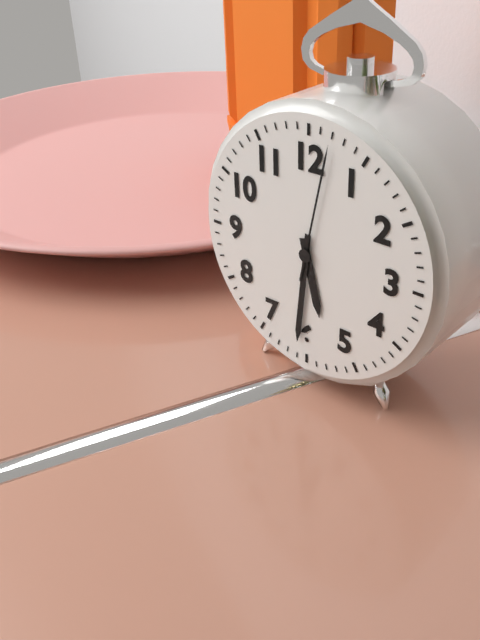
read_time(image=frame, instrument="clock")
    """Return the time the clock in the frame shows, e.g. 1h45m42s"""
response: 5h31m02s
